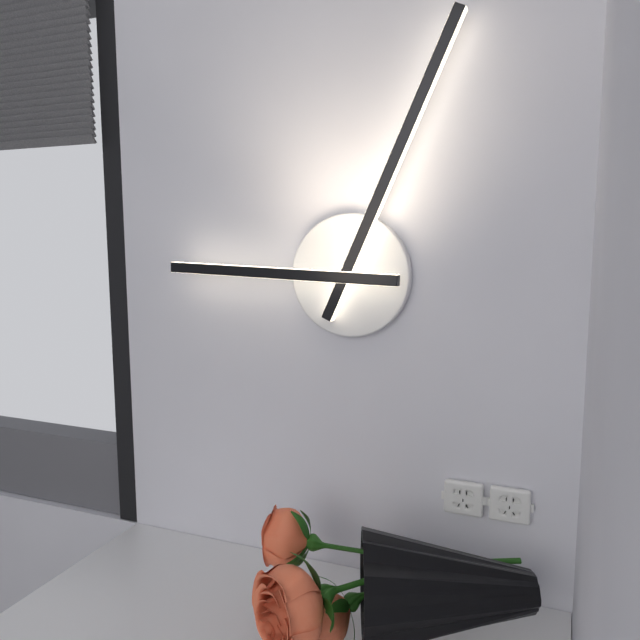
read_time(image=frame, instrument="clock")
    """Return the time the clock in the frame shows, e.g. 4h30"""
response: 9h04
